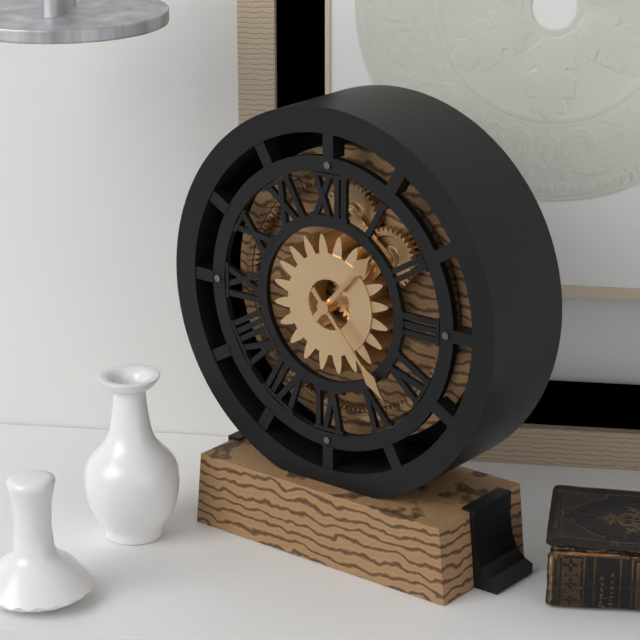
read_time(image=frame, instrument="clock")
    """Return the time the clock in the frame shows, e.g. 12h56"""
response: 1h23
